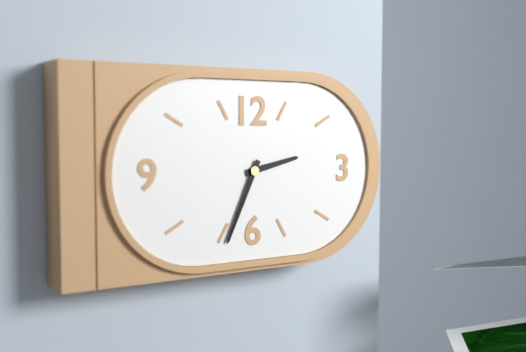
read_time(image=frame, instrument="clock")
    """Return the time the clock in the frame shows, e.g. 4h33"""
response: 2h34
